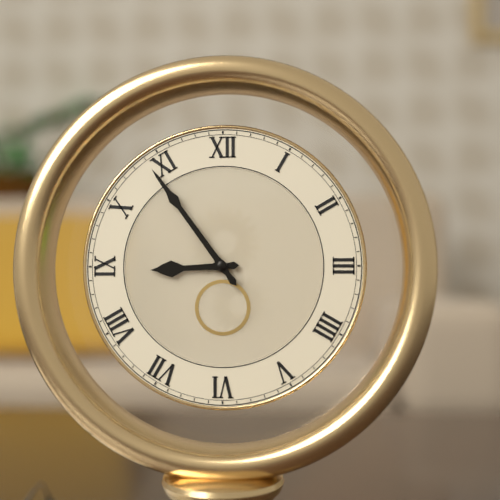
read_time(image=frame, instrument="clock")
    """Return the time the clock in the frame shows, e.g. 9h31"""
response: 8h54
